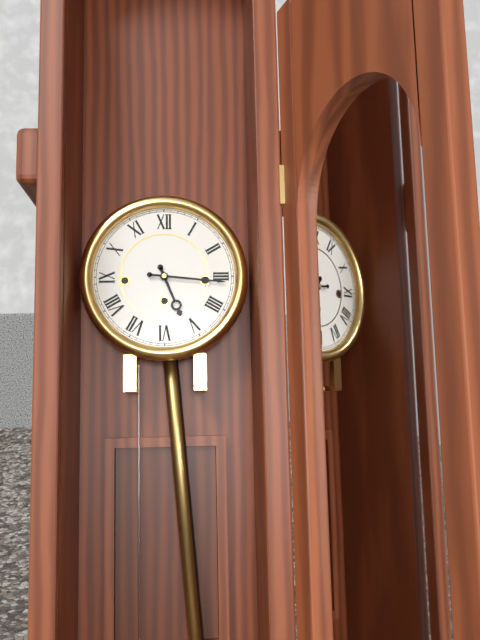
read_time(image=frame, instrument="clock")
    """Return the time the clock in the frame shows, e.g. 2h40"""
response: 5h16
